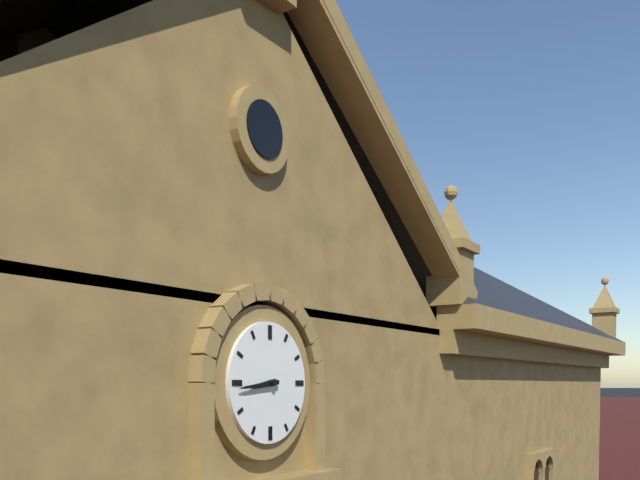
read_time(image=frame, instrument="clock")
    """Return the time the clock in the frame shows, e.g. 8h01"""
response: 8h44
